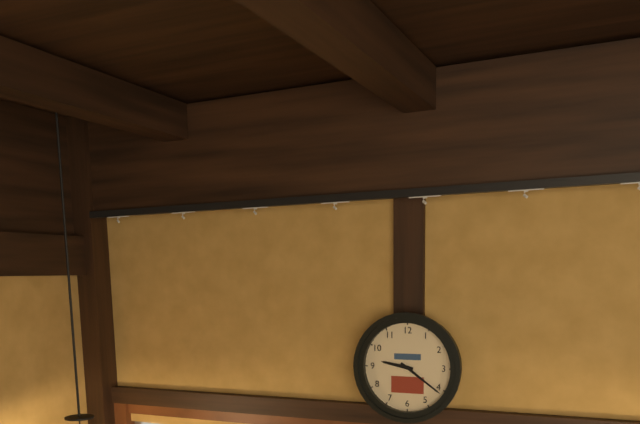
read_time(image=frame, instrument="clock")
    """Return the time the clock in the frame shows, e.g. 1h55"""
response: 9h21
